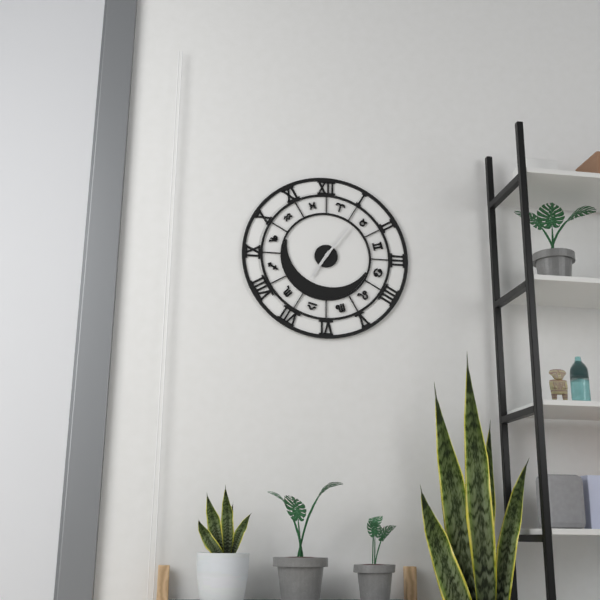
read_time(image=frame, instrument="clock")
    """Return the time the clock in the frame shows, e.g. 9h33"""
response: 7h06
